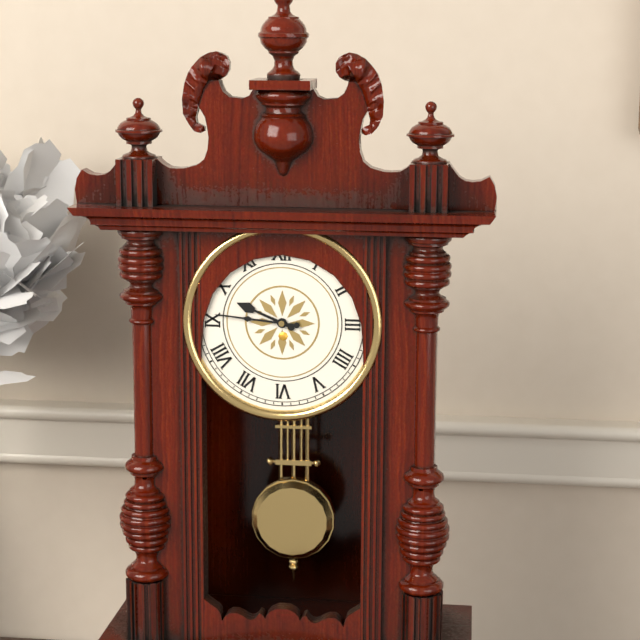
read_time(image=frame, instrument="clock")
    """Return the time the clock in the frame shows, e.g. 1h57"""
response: 9h46
